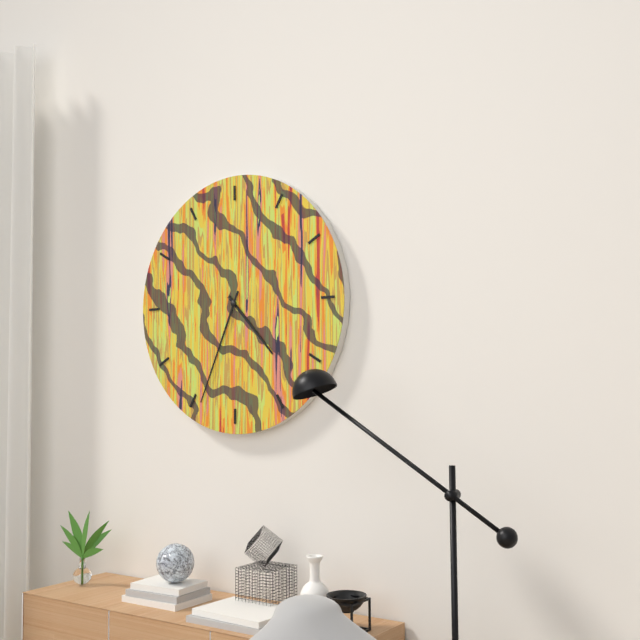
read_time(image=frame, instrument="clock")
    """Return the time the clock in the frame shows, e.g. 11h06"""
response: 4h34
